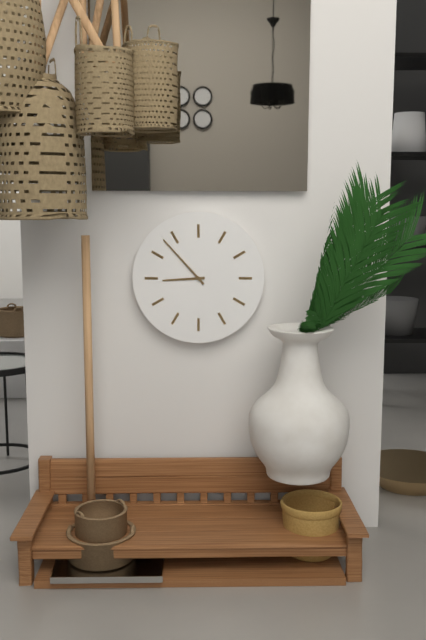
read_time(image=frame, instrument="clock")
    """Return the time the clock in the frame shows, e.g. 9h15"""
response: 8h53
